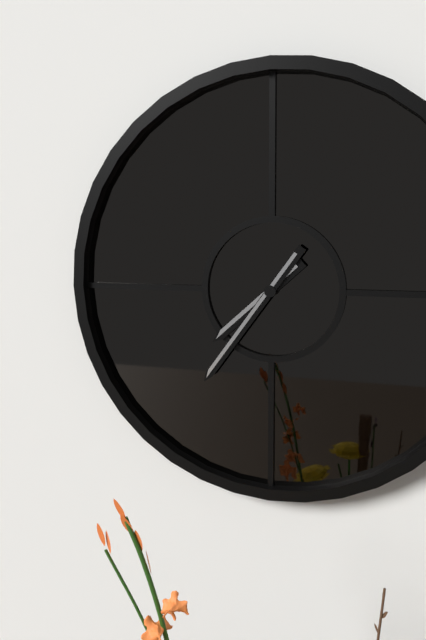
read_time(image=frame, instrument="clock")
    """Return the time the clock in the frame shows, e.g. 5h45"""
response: 7h36
